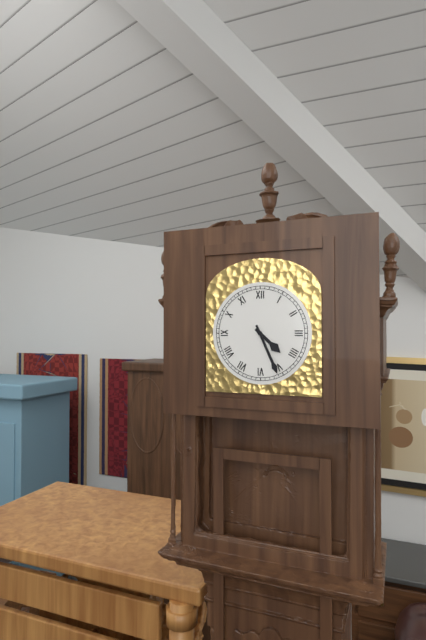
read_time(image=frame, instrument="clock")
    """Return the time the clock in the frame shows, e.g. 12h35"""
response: 4h26
